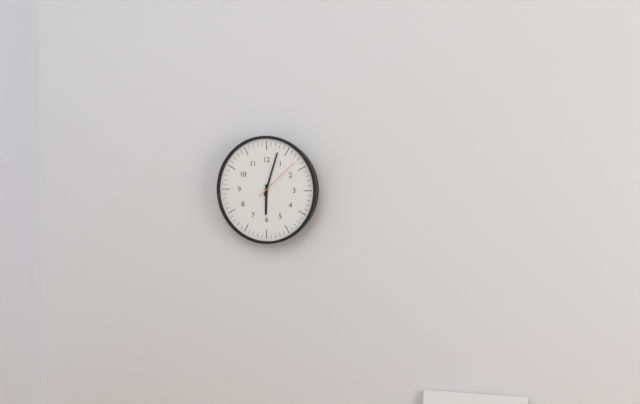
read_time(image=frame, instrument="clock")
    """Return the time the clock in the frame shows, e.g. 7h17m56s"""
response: 6h03m08s
